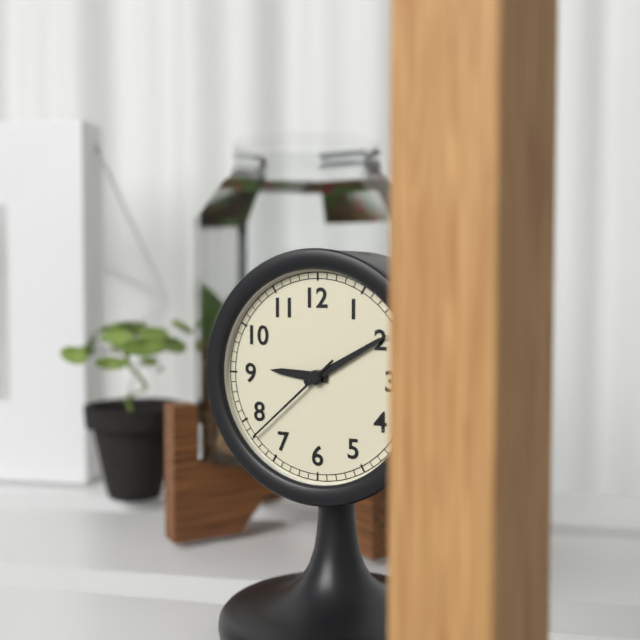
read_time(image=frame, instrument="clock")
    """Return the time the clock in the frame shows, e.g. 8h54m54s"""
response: 9h10m38s
